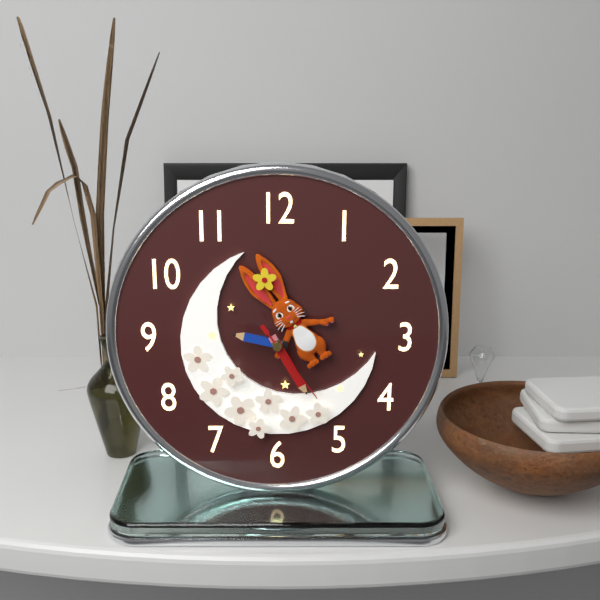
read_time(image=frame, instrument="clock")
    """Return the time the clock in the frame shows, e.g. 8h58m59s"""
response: 9h25m24s
